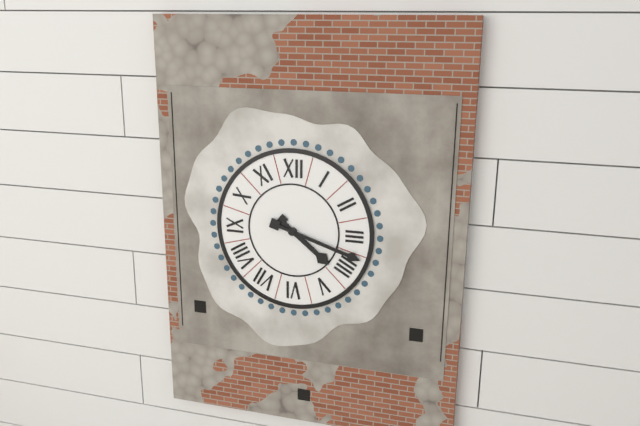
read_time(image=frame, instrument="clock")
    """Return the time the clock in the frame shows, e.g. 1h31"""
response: 4h18
